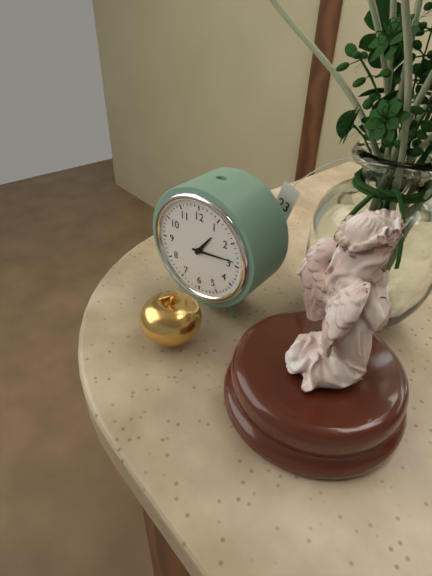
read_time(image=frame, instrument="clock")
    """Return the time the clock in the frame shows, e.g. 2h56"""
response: 1h14
